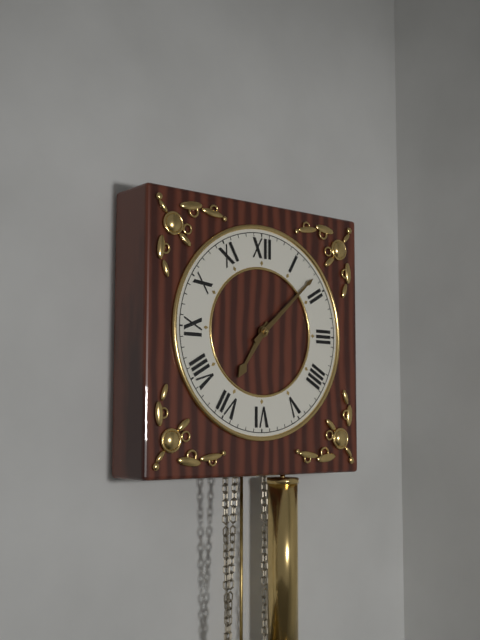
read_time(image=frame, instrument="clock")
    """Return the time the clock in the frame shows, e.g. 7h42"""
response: 7h08
